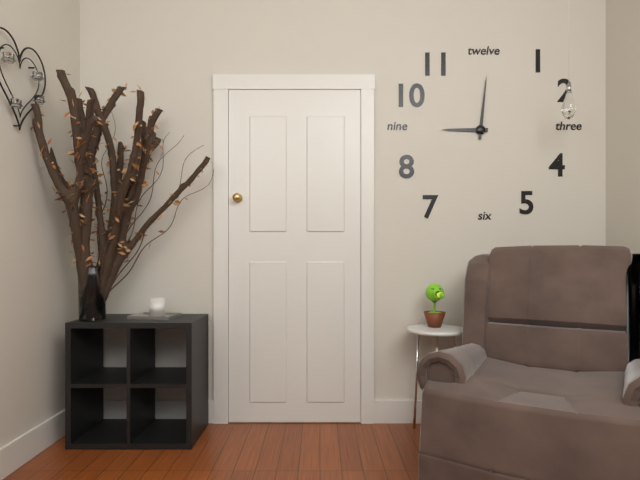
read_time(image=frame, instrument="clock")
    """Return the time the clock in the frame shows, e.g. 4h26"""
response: 9h01
